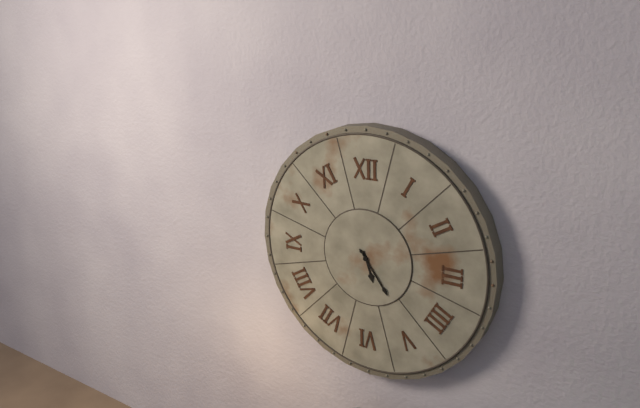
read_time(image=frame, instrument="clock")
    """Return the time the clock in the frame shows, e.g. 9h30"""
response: 5h24
